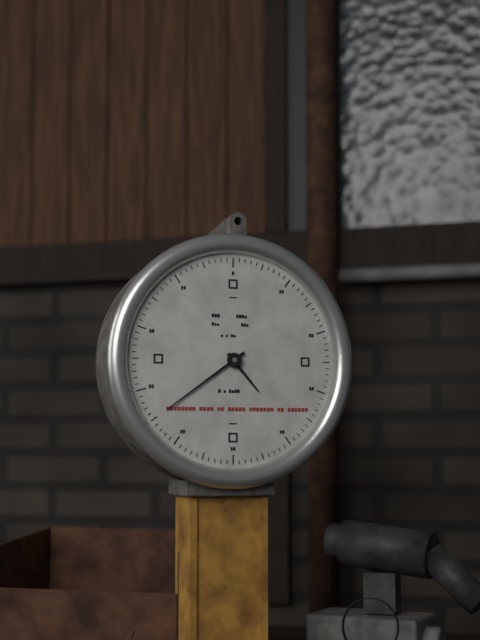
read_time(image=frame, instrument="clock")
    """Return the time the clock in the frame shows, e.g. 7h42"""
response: 4h39
